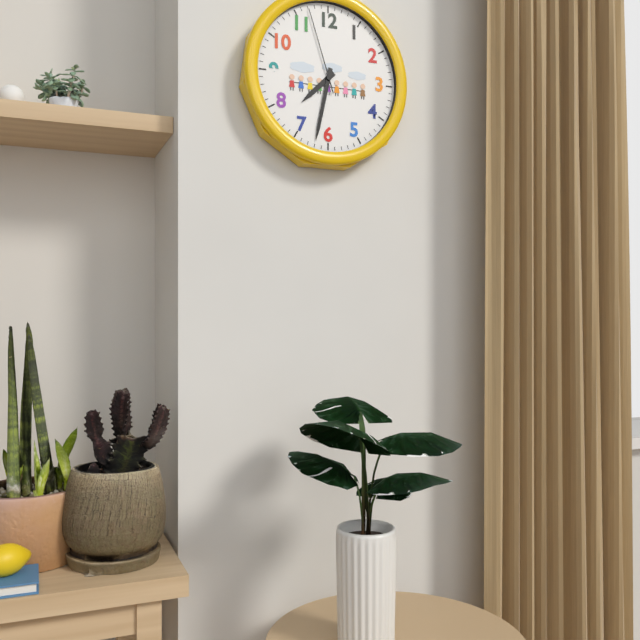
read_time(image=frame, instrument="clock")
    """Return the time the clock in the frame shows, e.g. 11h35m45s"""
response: 7h32m57s
